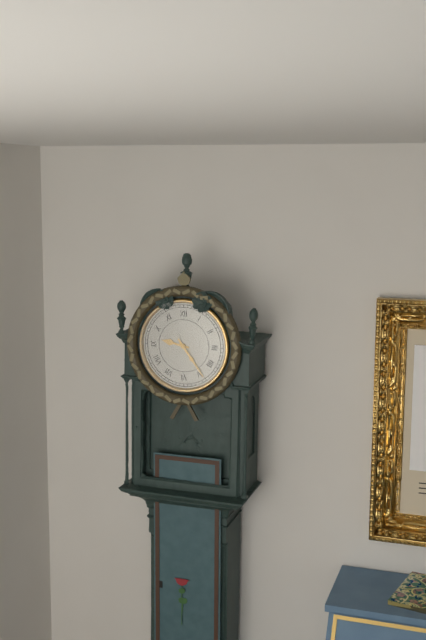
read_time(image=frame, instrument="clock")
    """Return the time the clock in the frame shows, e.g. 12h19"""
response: 9h24
